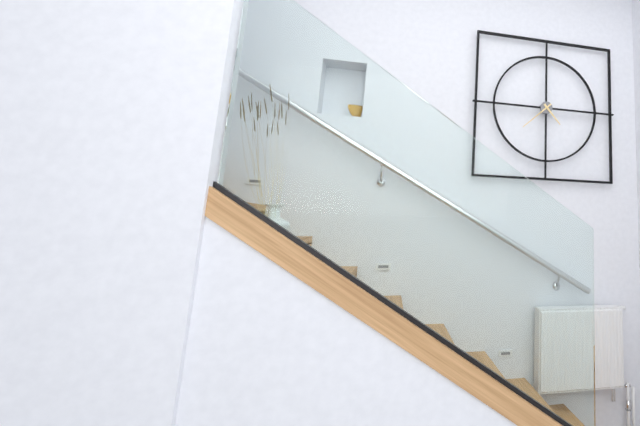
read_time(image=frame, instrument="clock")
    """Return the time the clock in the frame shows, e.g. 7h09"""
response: 4h38
